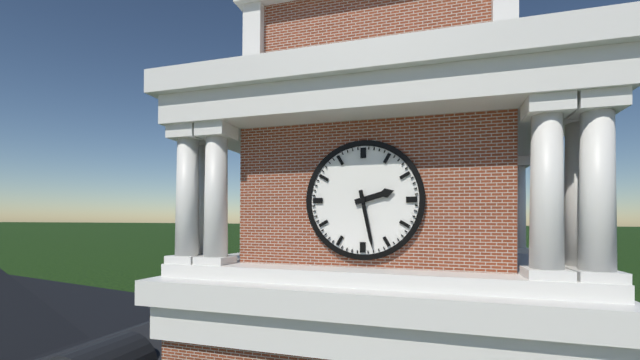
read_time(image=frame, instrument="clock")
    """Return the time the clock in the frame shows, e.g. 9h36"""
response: 2h28
